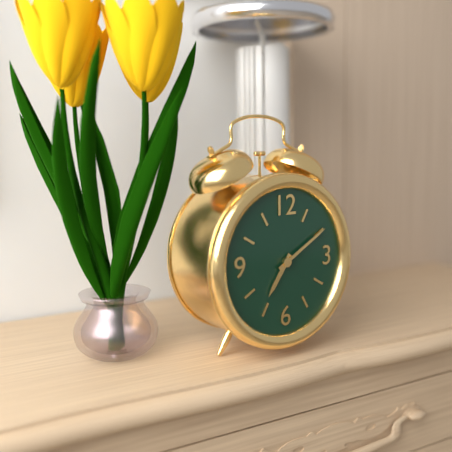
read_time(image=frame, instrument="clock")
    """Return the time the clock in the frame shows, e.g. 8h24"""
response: 7h10
